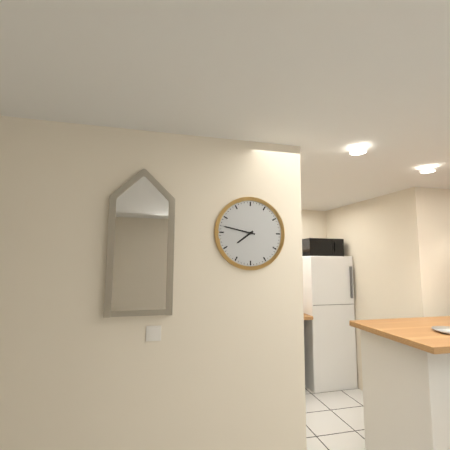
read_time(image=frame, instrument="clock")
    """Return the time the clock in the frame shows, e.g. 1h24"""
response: 7h47
